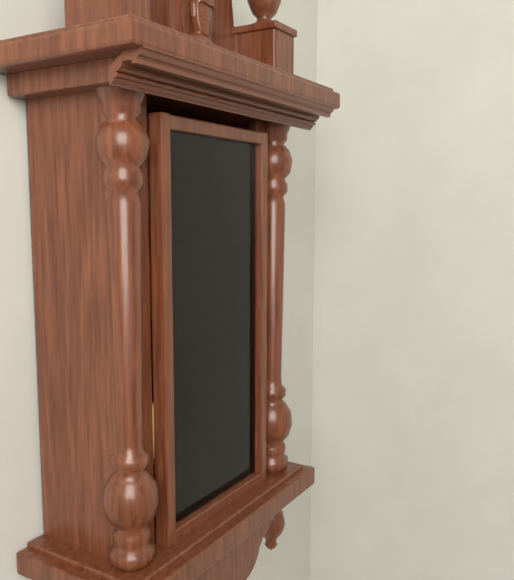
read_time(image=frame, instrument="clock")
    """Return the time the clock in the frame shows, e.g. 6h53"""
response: 10h10
